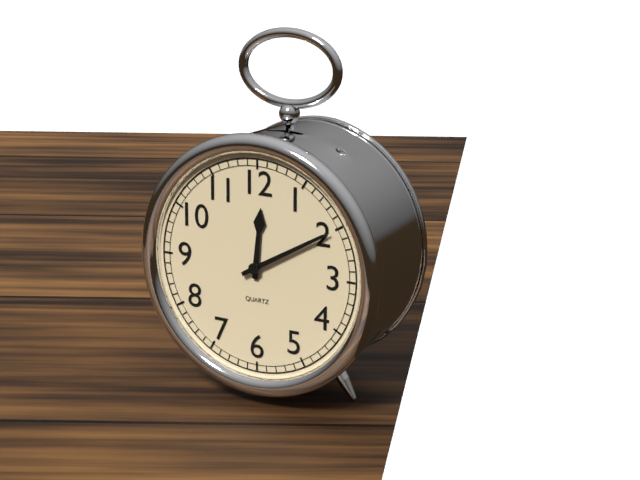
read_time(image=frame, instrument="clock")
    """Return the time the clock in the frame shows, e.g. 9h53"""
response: 12h10
